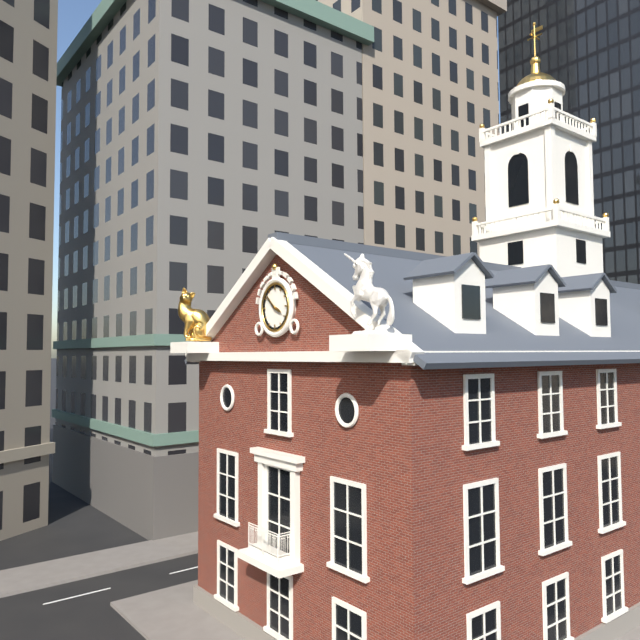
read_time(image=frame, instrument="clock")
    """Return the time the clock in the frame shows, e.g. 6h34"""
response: 3h52
